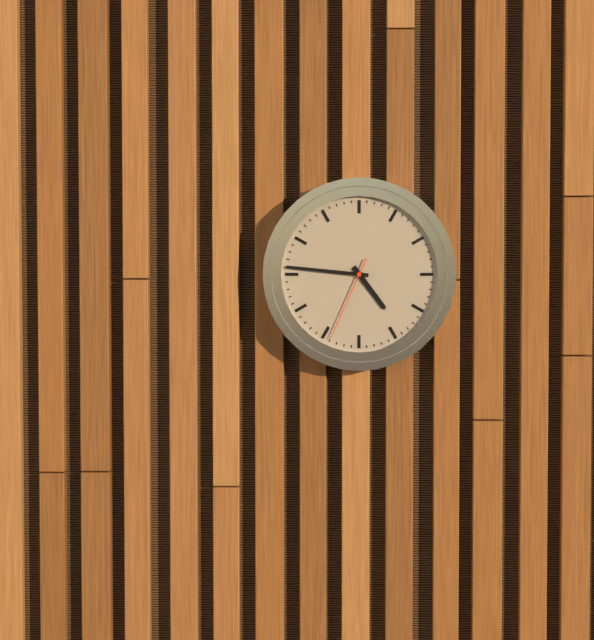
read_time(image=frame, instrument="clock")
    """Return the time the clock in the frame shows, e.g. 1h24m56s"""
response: 4h46m34s
